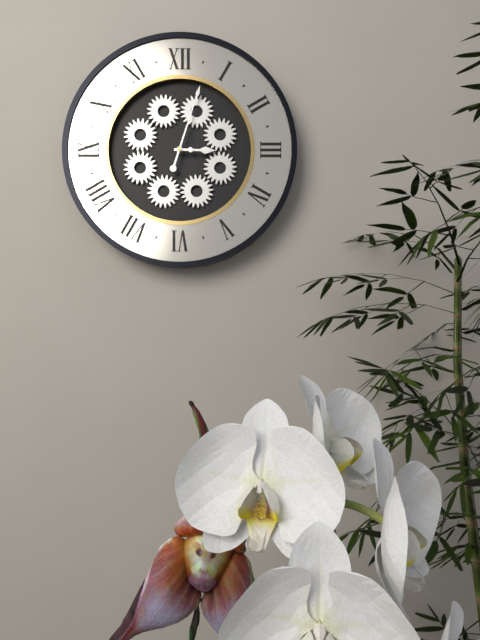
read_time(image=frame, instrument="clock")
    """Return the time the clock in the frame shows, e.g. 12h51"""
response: 3h03
